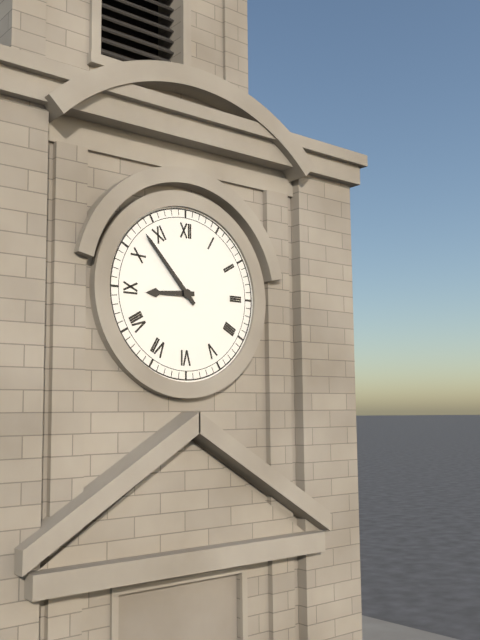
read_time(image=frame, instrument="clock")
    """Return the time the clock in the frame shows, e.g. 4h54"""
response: 8h53
